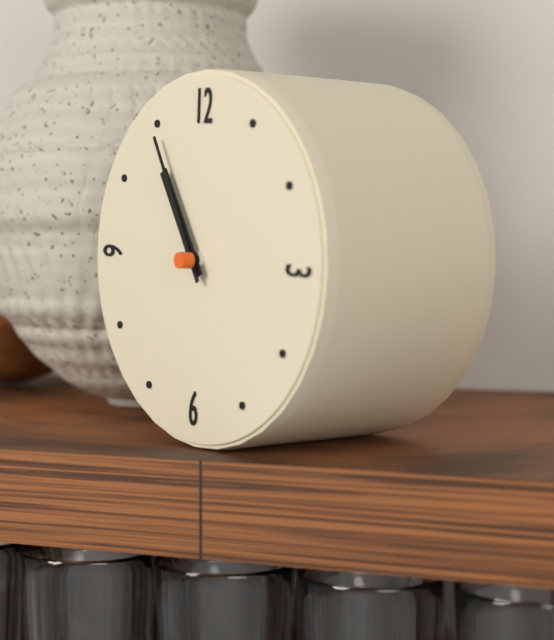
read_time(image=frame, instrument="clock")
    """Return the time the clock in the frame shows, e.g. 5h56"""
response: 10h55
